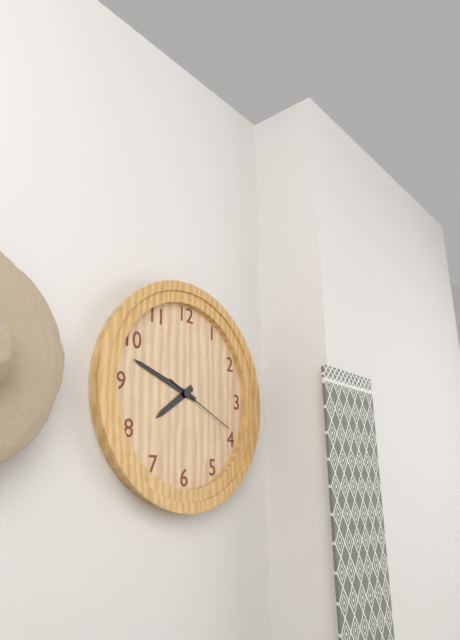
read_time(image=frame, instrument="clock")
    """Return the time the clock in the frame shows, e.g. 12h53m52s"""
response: 7h48m19s
